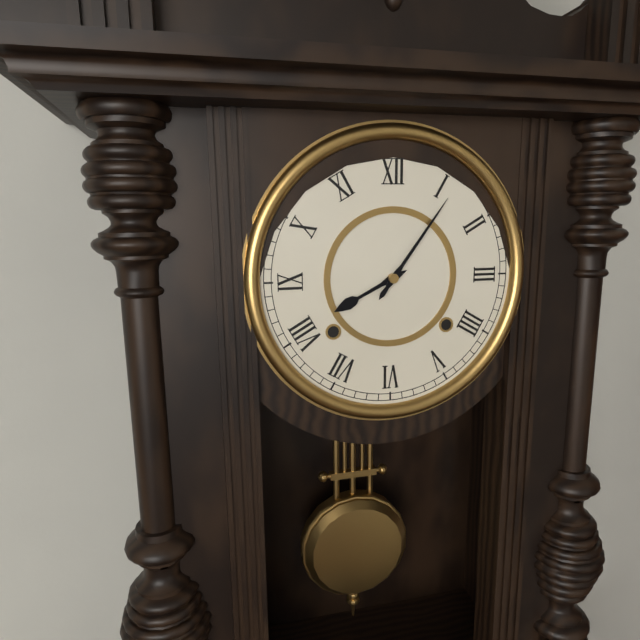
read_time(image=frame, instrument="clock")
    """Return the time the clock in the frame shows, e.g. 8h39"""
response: 8h06
